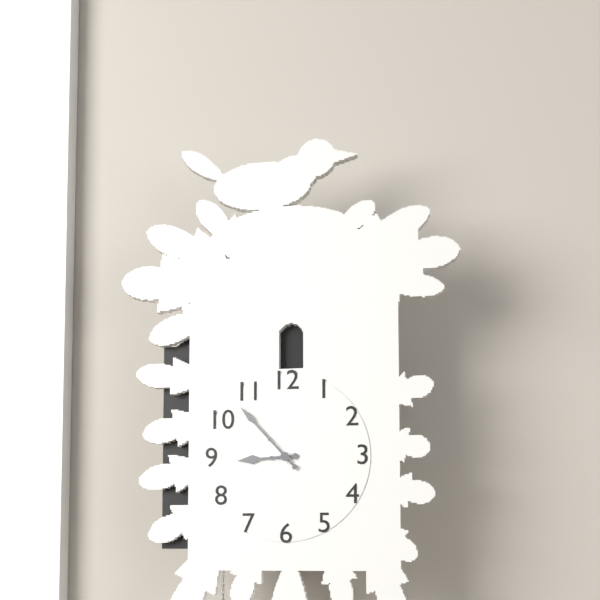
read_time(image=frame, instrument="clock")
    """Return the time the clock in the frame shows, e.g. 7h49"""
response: 8h53
